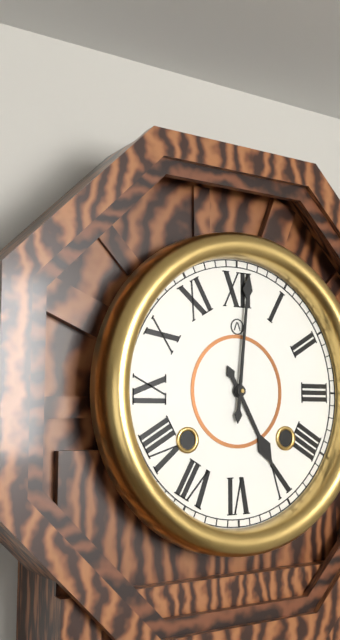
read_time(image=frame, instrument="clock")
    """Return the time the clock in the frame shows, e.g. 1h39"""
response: 5h01
